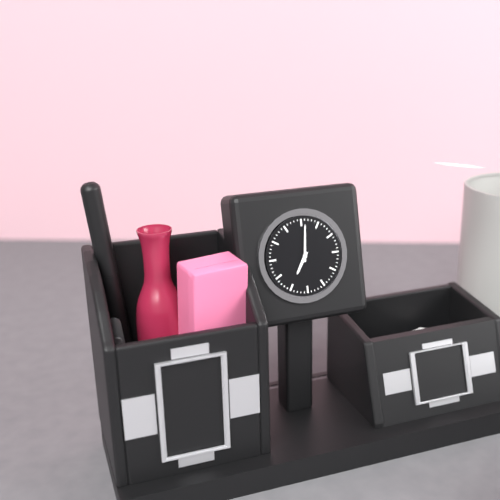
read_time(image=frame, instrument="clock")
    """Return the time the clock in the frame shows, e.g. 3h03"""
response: 7h01
